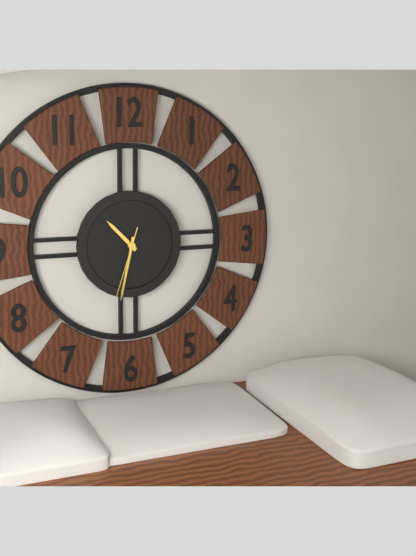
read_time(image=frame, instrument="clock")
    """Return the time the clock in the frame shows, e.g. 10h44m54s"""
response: 10h32m33s
